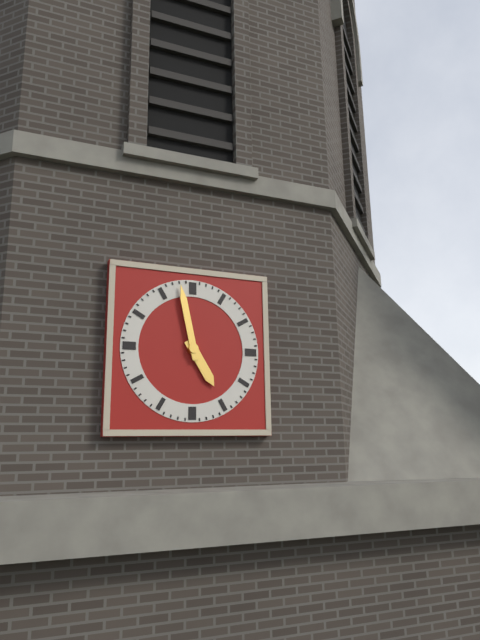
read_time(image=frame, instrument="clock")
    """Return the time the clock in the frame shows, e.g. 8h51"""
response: 4h58
